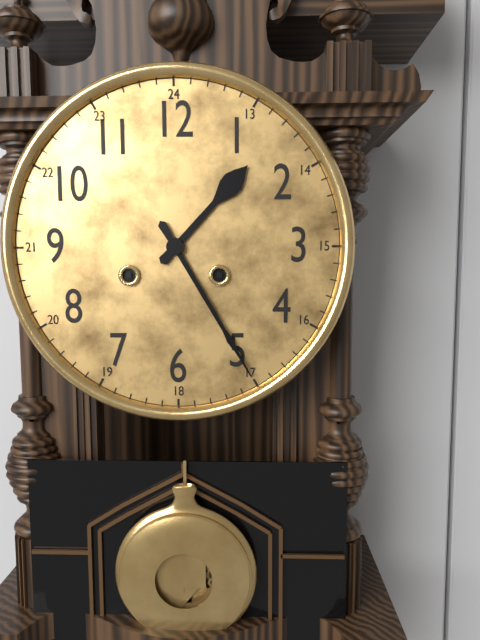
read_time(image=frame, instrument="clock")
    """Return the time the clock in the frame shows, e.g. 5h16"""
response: 1h25
